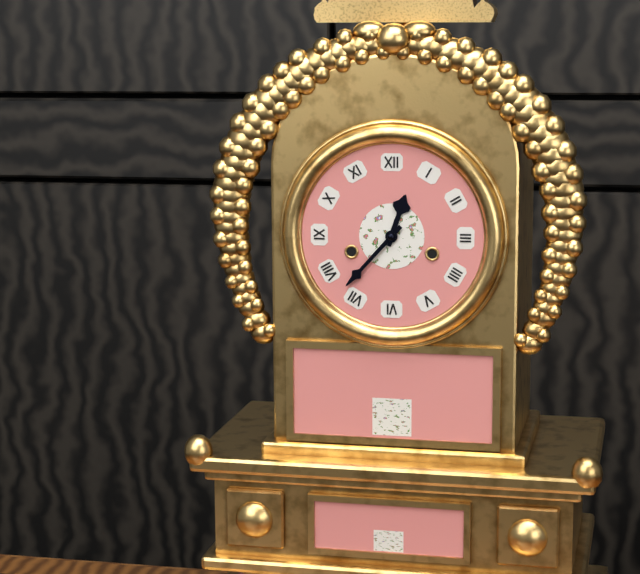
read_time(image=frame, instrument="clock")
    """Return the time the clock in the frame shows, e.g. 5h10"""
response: 12h37
